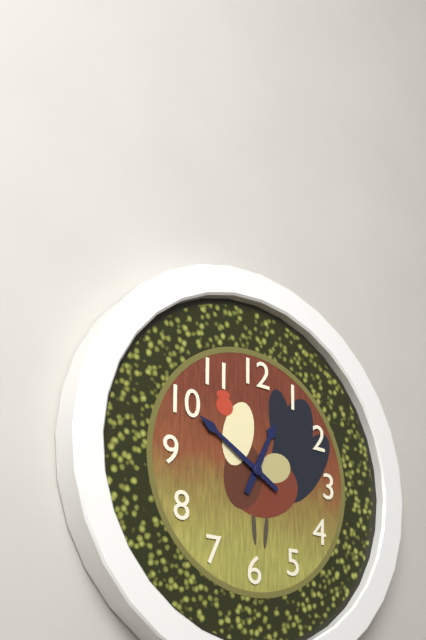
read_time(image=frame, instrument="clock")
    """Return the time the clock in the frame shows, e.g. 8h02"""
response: 12h50
